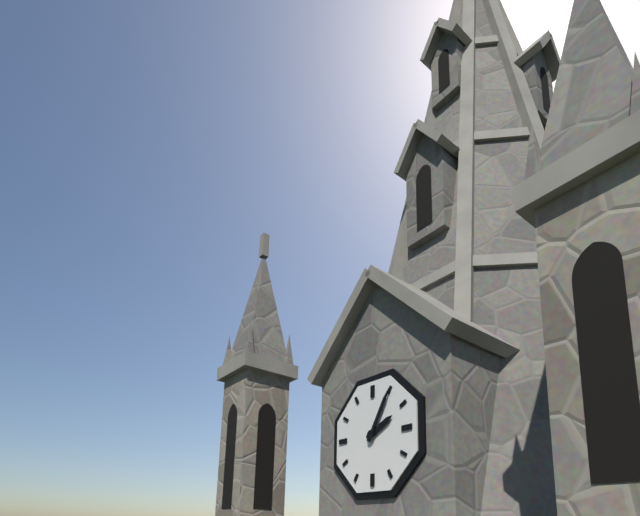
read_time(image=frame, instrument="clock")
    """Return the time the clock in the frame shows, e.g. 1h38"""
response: 2h05
